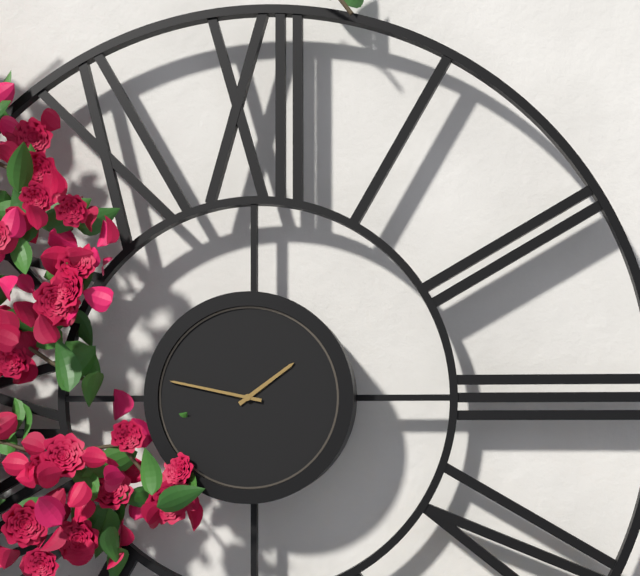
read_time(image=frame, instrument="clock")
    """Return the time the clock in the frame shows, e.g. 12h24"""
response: 1h47
